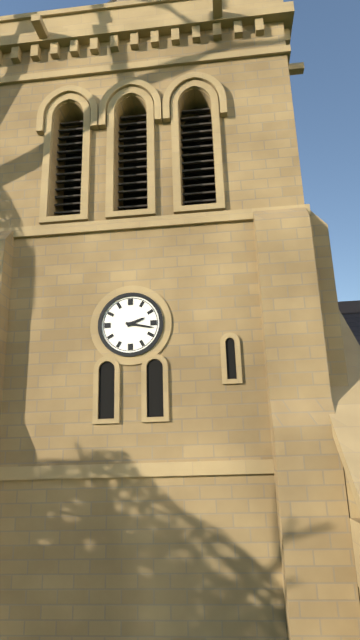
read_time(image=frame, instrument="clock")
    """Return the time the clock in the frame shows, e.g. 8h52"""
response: 2h17
